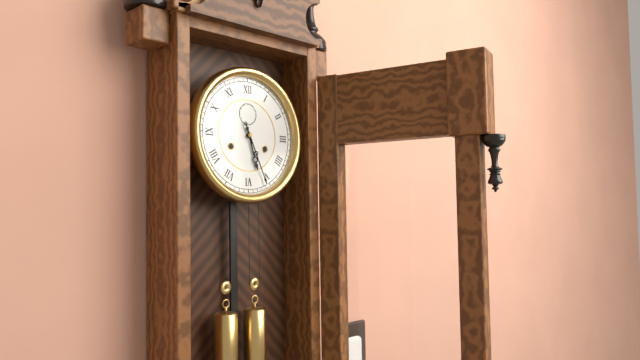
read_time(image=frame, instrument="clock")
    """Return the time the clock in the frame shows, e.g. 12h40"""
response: 5h26
